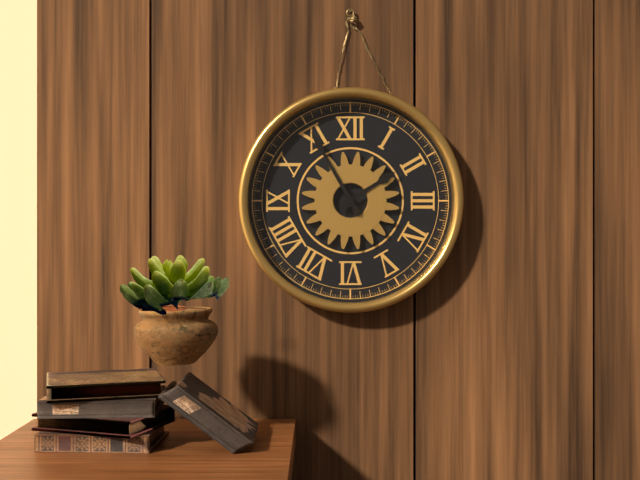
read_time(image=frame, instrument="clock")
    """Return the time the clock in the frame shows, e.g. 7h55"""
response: 1h55
